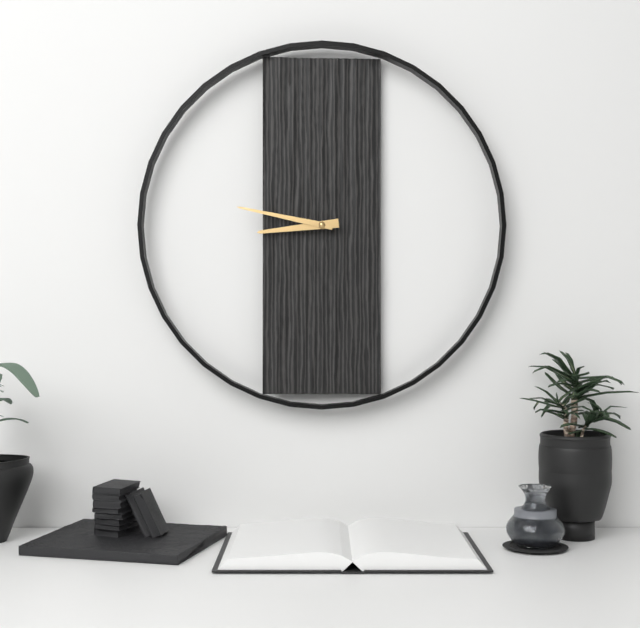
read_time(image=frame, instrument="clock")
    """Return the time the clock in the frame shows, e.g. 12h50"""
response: 8h47
